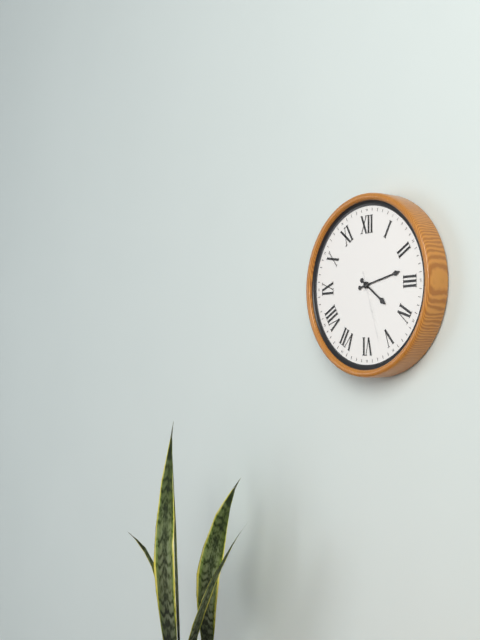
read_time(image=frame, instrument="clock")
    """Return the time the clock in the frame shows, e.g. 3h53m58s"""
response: 4h13m27s
